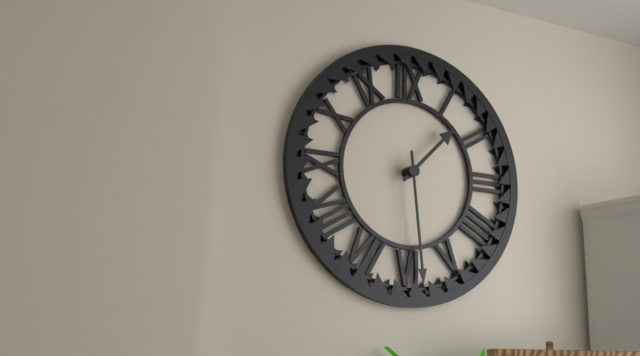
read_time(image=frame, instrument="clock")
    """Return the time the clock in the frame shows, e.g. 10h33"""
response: 1h29
